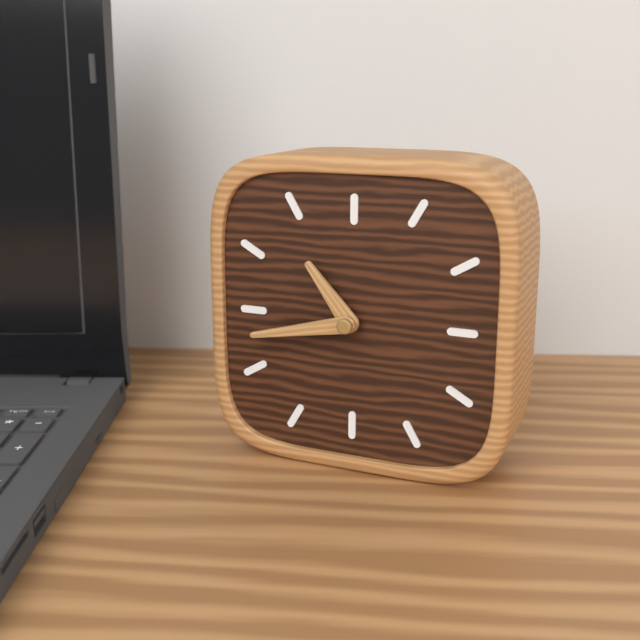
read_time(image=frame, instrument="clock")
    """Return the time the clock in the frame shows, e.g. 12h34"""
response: 10h43
